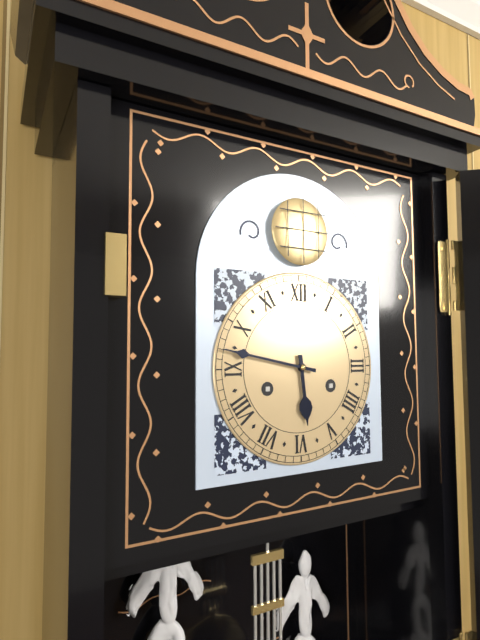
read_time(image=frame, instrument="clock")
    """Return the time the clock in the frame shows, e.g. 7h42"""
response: 5h47
